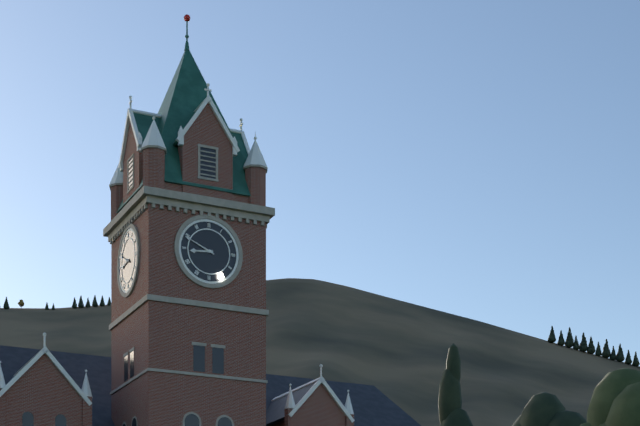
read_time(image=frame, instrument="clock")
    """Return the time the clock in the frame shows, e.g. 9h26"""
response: 8h49
